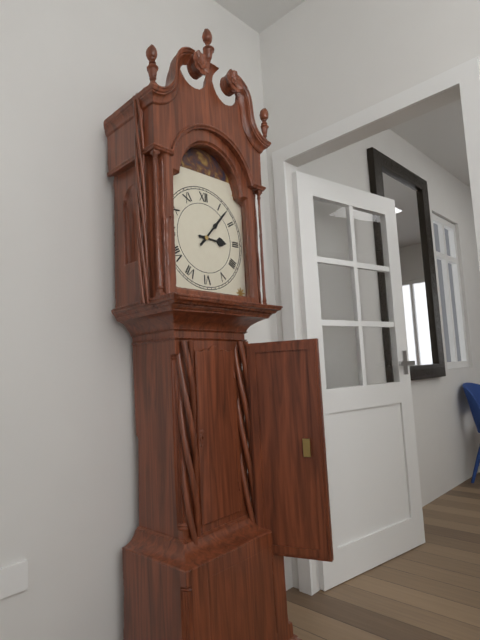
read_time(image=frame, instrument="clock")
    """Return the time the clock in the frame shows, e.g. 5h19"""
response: 3h07
